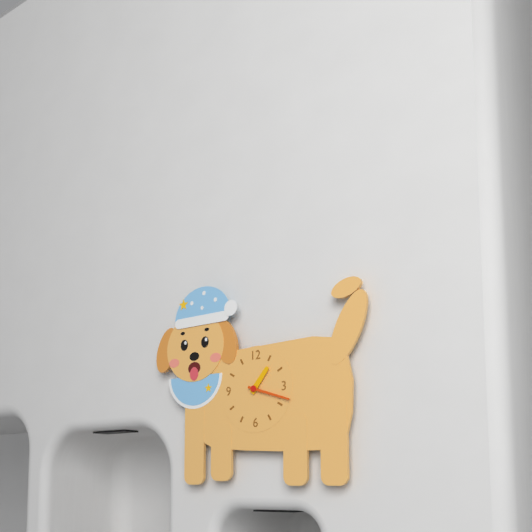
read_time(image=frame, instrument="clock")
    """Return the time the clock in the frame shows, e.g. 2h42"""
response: 1h18
